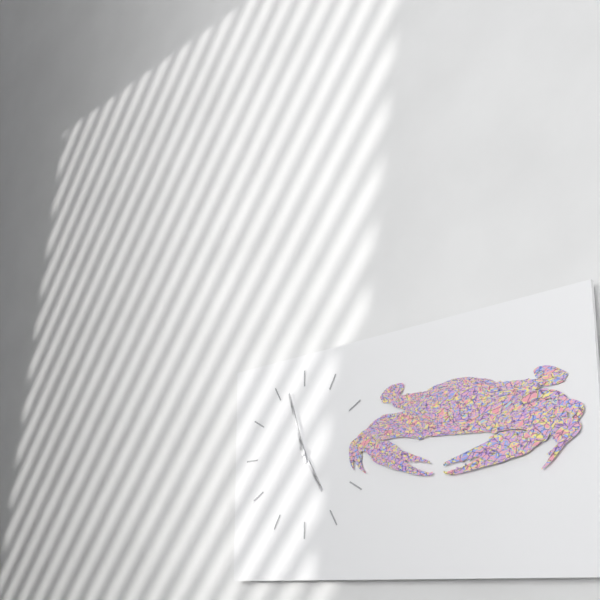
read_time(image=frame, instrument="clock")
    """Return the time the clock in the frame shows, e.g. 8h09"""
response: 4h57
